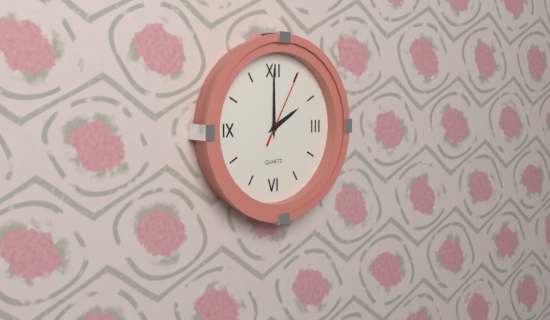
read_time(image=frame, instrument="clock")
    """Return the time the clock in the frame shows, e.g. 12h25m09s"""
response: 2h00m05s
